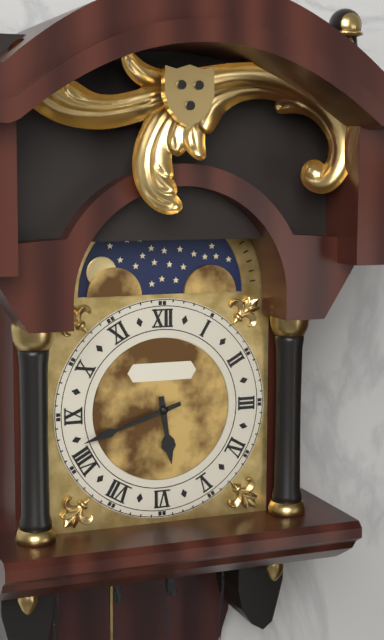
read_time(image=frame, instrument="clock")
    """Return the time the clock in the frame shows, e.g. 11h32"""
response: 5h42
